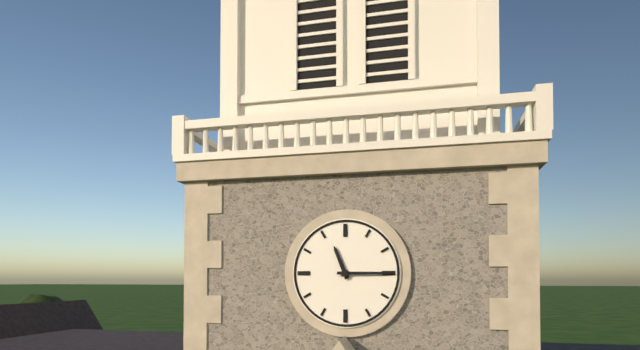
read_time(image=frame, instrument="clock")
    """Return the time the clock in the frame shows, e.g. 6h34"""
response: 11h15
